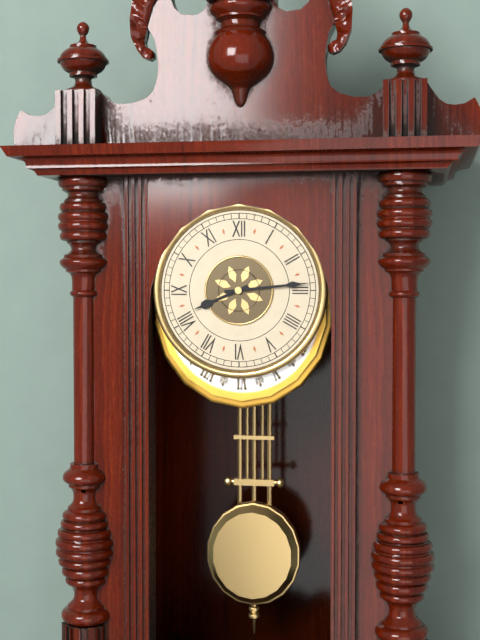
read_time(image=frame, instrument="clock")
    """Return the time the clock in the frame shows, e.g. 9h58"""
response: 8h14
